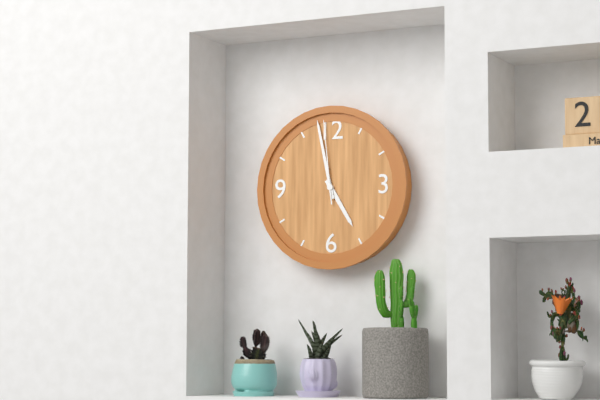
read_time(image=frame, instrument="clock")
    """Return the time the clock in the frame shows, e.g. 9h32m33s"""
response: 4h58m59s
